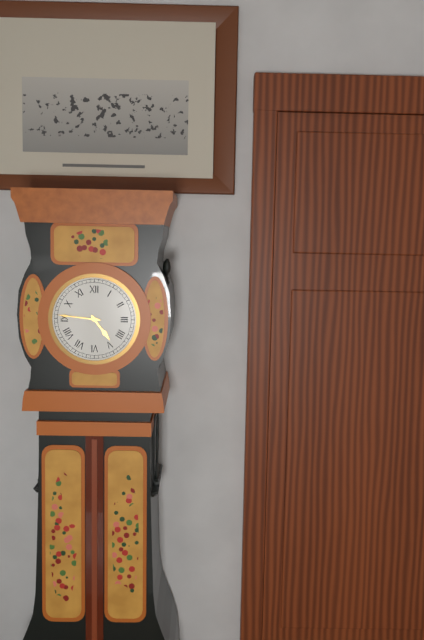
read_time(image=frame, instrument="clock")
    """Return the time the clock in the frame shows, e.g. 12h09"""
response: 4h46
